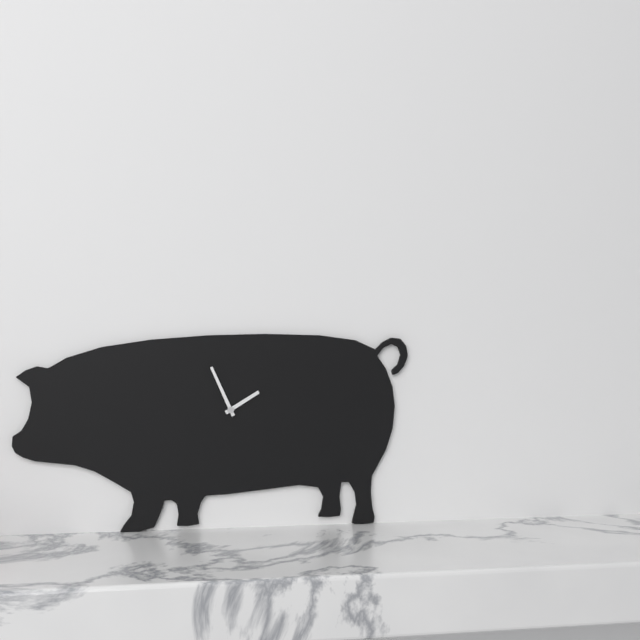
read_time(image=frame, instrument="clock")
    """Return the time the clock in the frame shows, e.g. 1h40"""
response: 1h56
